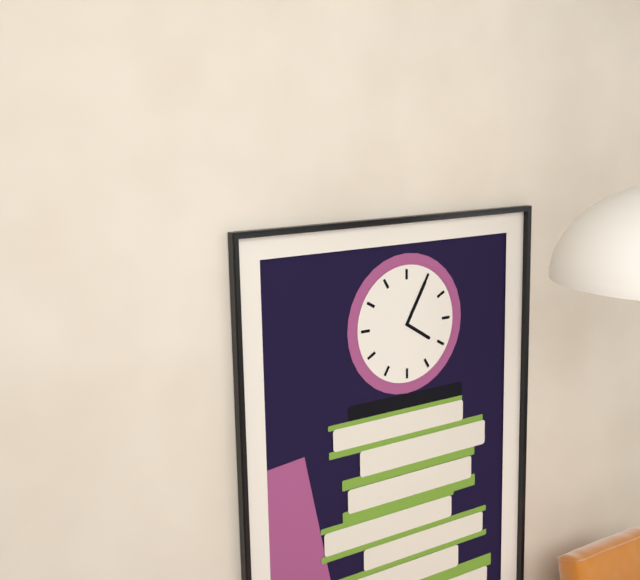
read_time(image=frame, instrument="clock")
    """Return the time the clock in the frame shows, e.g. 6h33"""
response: 4h05
